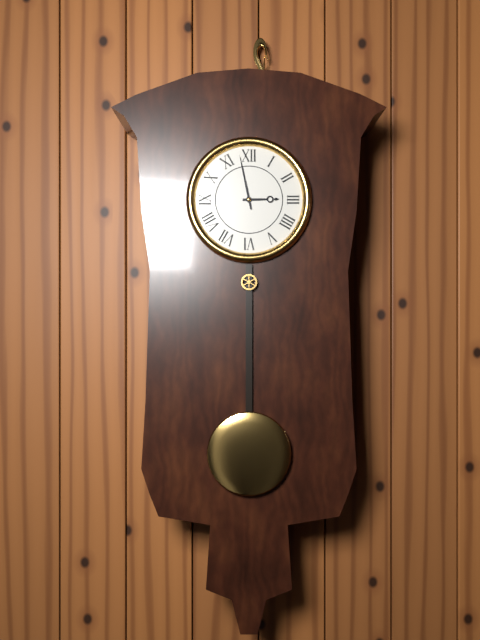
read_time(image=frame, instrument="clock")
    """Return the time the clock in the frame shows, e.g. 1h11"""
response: 2h58
